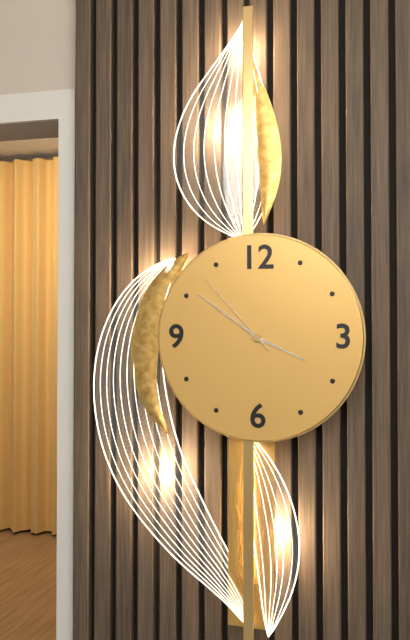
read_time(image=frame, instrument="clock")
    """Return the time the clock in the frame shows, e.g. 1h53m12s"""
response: 3h51m53s
